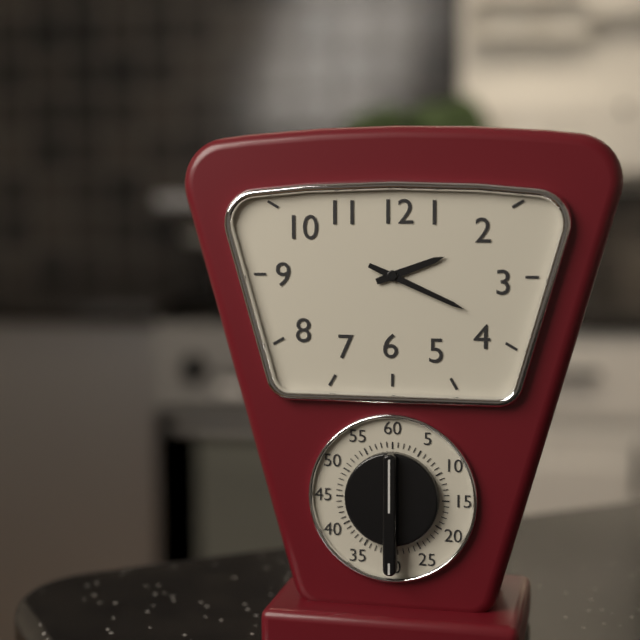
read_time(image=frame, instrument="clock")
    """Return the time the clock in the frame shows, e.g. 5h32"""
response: 2h19
